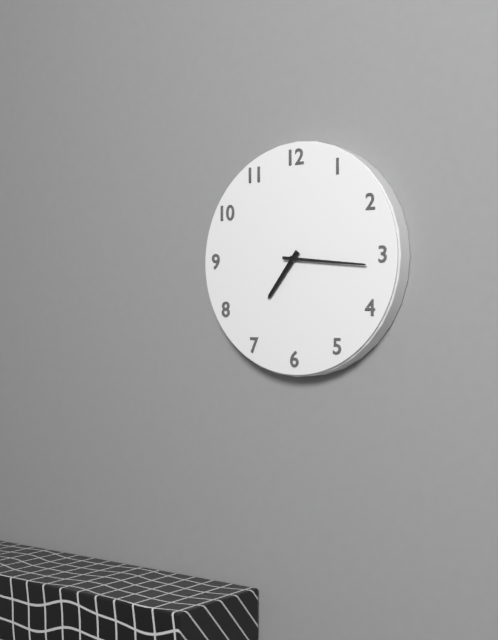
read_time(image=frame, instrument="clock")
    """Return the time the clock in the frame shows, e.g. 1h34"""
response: 7h16
